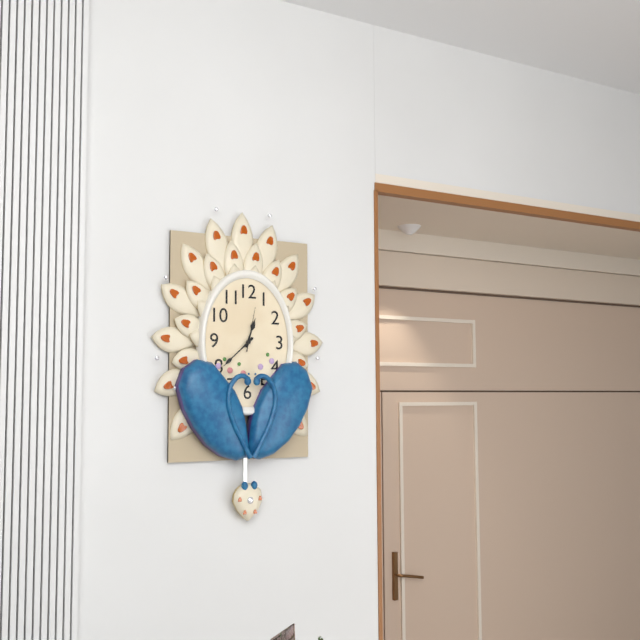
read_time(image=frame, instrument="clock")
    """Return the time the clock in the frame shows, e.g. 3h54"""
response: 12h38
